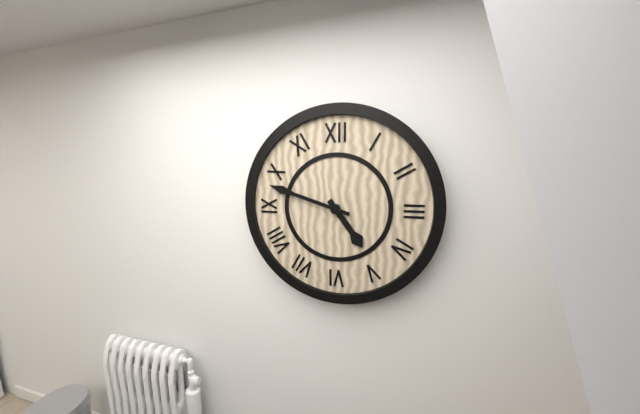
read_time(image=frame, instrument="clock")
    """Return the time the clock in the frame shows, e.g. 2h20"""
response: 4h48
